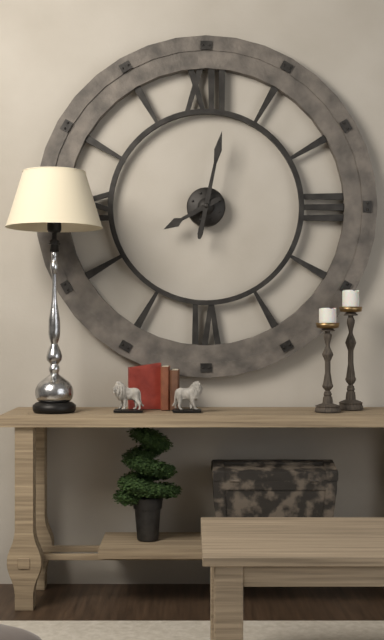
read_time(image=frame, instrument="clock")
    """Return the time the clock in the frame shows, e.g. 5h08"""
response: 8h02
